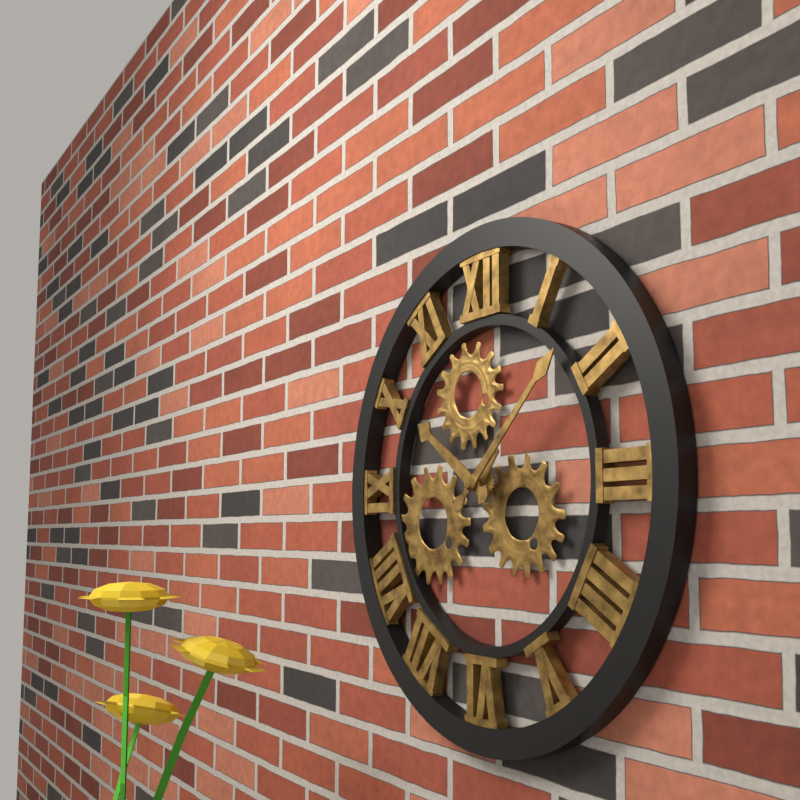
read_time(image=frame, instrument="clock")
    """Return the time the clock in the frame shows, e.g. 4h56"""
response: 10h08
